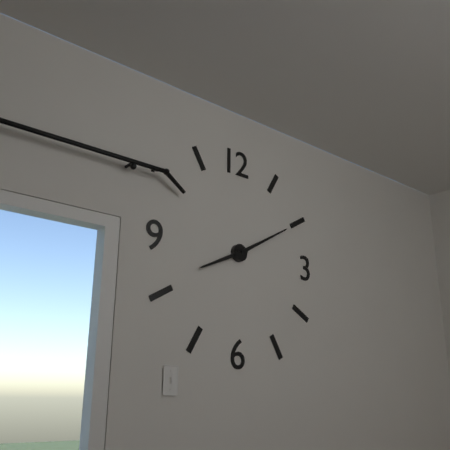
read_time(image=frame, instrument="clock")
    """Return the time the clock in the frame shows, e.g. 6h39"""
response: 8h10
